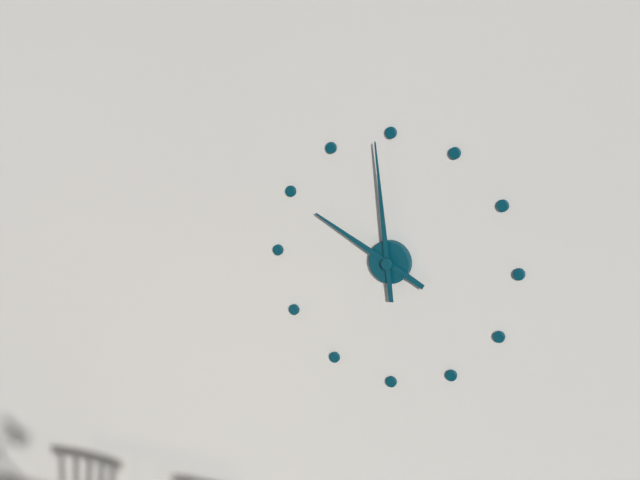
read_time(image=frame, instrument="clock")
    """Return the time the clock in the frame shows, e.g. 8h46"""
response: 9h59
